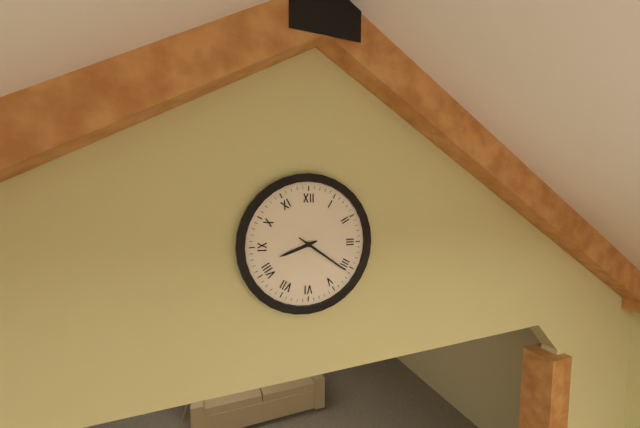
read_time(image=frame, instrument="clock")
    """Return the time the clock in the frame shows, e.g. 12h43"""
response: 8h21
